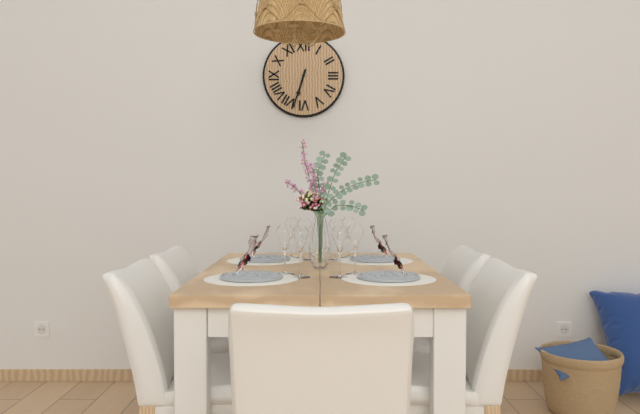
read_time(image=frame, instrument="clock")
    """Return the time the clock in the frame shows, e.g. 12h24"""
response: 6h33
